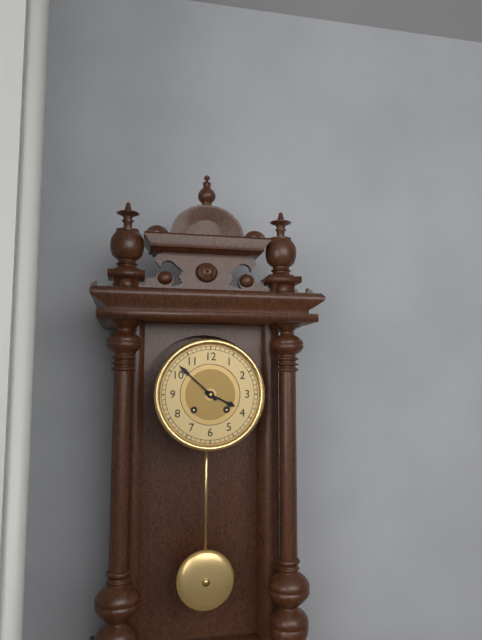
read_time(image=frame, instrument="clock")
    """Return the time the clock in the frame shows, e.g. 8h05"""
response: 3h52
